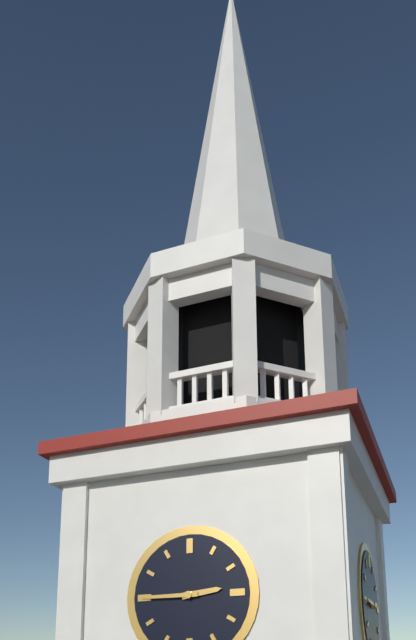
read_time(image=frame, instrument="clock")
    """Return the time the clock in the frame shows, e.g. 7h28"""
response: 2h45
